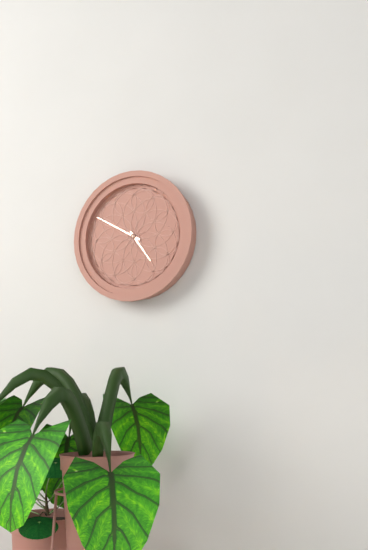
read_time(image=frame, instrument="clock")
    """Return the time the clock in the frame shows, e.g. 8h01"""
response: 4h50
